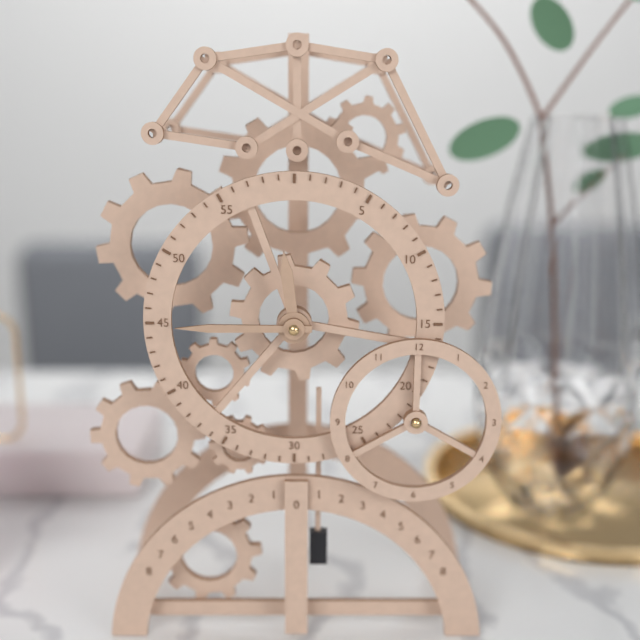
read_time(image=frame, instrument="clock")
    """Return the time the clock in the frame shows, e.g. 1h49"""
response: 11h45
